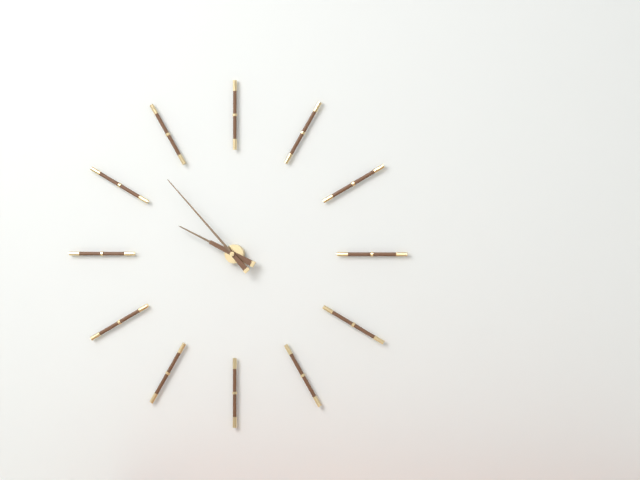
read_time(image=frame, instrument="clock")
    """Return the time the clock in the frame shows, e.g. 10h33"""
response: 9h53
